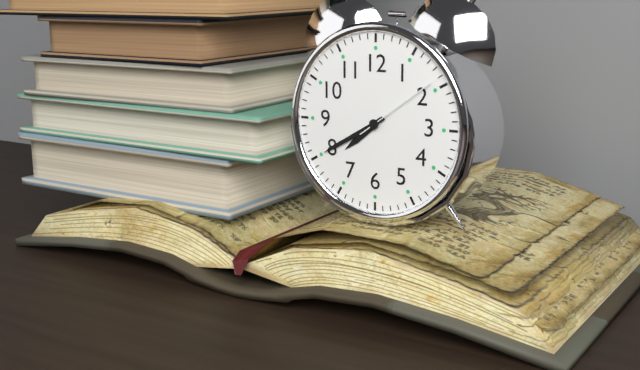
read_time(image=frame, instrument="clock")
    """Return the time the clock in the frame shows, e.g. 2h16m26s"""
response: 7h40m09s
